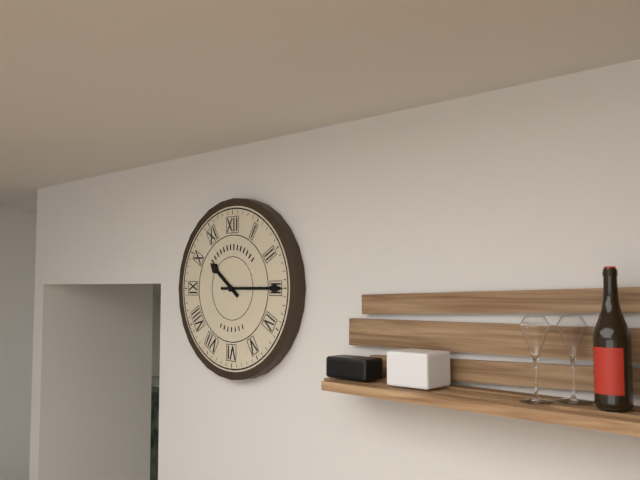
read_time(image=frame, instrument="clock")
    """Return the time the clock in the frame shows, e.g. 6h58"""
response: 10h15
